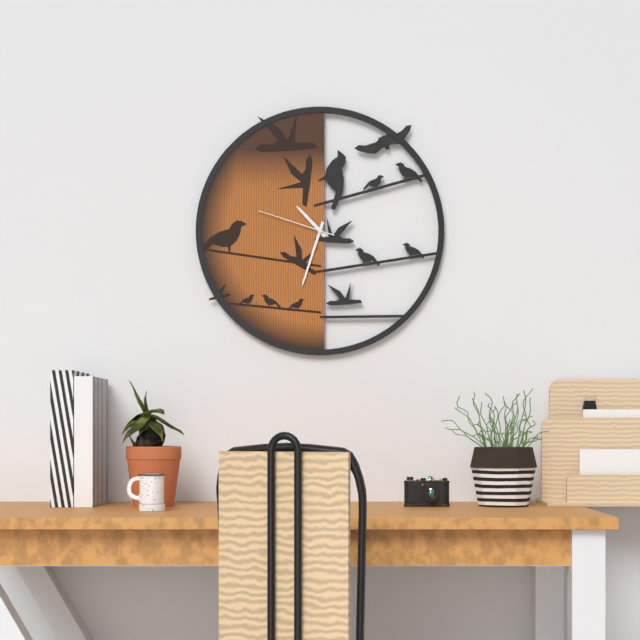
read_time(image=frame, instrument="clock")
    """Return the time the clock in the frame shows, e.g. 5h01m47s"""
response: 10h33m48s
